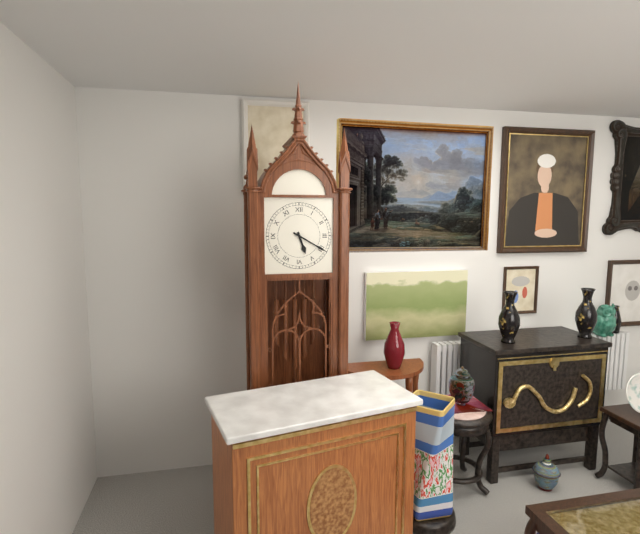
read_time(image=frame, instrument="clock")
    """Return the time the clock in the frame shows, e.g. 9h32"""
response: 5h20
